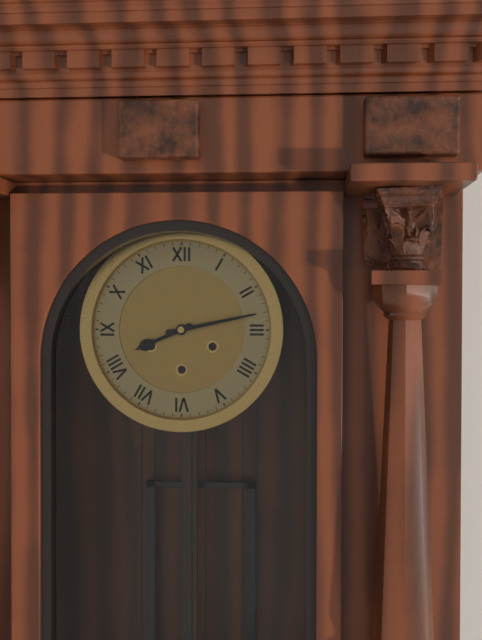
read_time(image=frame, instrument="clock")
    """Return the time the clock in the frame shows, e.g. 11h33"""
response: 8h13
